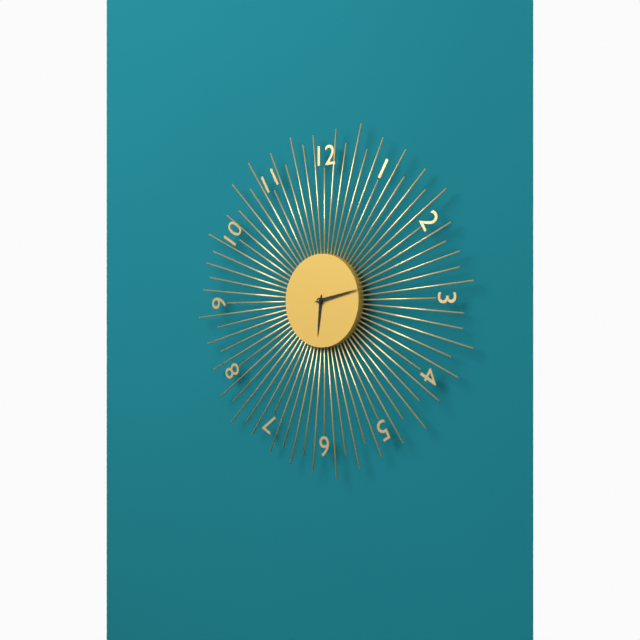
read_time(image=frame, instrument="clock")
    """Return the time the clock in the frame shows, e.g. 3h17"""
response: 6h13
